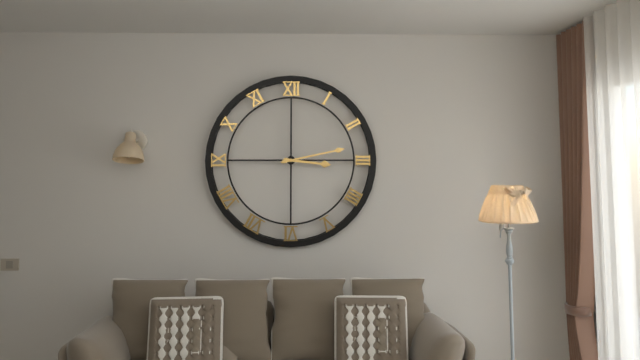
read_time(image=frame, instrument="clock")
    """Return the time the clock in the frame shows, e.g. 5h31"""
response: 3h13
